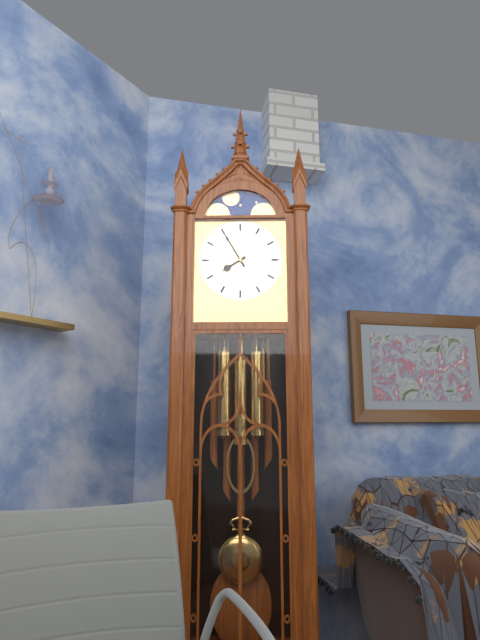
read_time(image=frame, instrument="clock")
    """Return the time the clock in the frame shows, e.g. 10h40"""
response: 7h55
